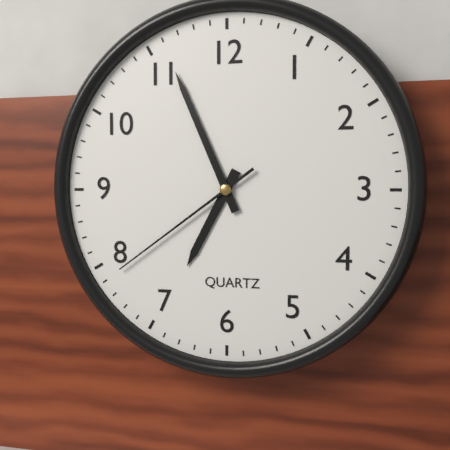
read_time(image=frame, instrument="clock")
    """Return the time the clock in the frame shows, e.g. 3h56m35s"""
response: 6h56m39s
